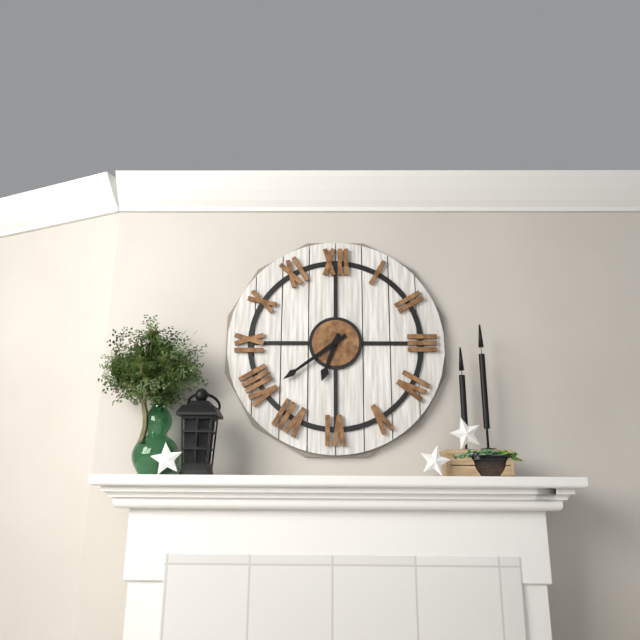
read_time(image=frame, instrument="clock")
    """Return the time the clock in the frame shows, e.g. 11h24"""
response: 6h39
